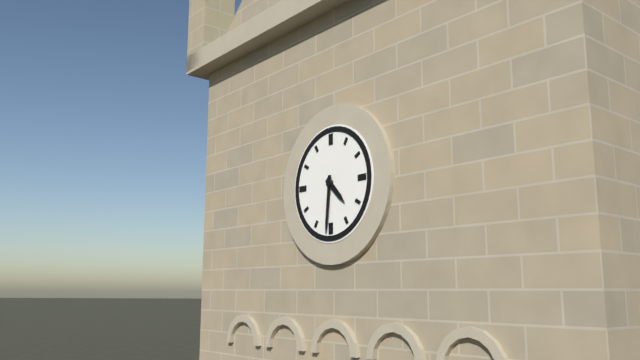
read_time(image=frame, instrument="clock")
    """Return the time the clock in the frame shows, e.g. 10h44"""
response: 4h31
